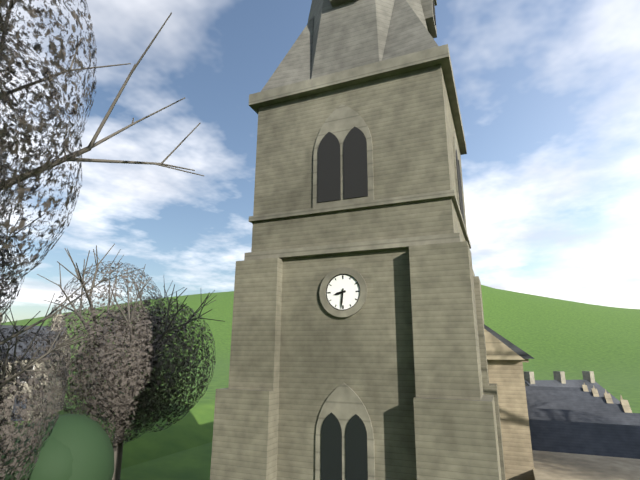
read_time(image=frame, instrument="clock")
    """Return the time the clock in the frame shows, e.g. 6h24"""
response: 8h31
